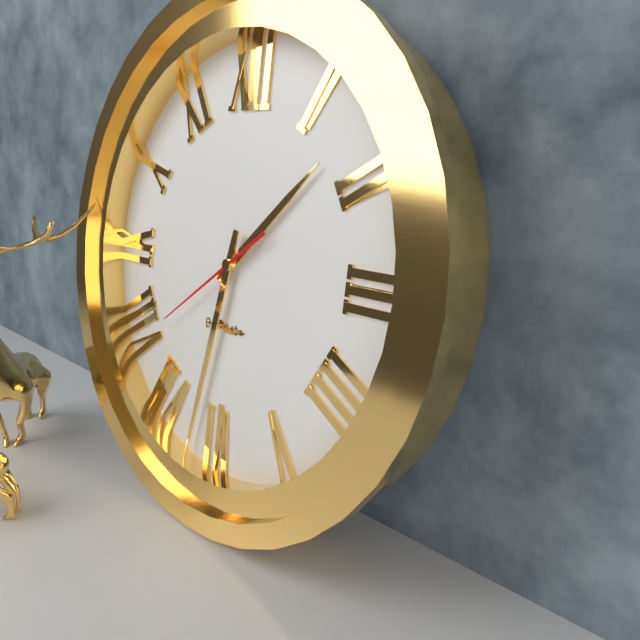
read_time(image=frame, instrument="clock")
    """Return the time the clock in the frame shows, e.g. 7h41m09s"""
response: 1h32m39s
